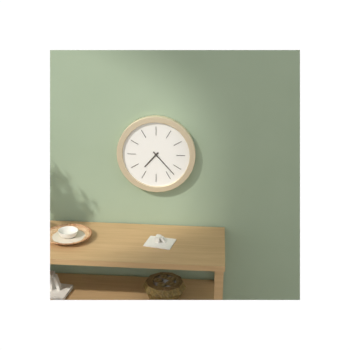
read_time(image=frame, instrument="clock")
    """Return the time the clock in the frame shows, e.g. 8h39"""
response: 7h23
